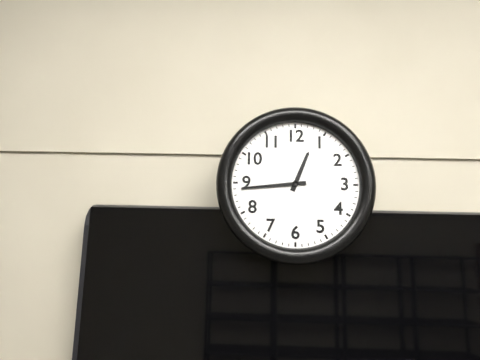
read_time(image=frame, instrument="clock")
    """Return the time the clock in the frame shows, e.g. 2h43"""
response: 12h44
